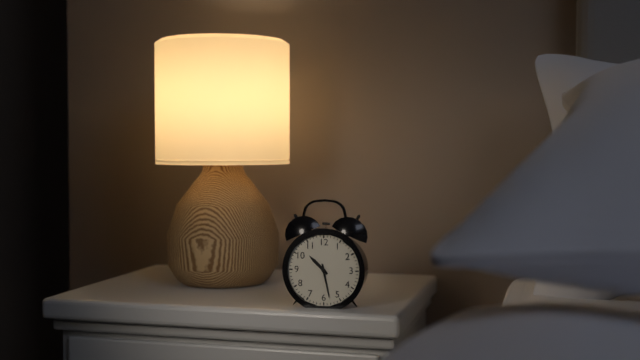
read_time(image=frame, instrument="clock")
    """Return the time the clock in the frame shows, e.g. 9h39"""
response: 10h28
